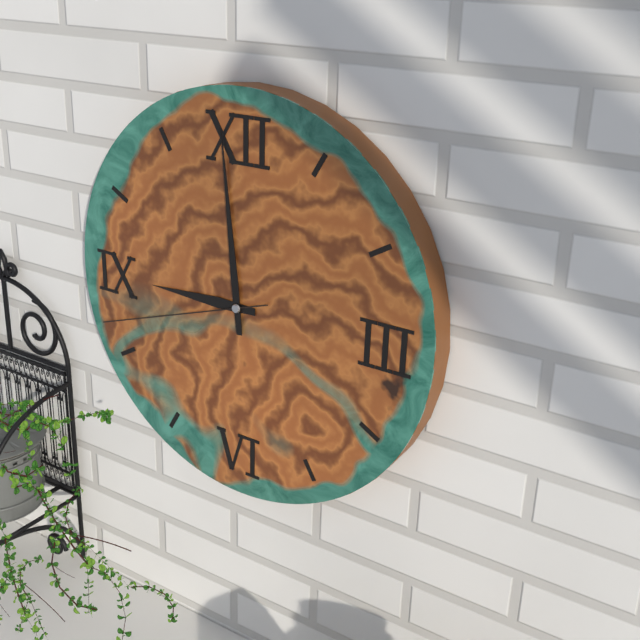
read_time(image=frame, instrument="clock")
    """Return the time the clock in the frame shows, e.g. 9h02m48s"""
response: 8h59m42s
